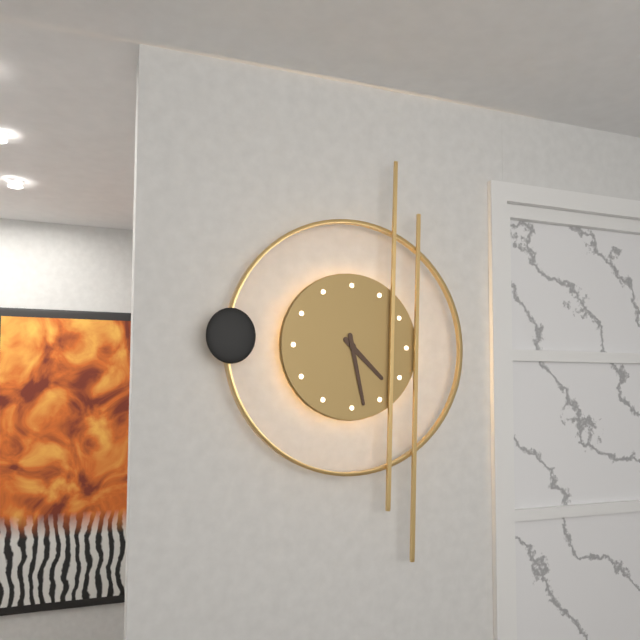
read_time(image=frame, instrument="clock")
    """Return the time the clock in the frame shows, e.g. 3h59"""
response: 4h28
